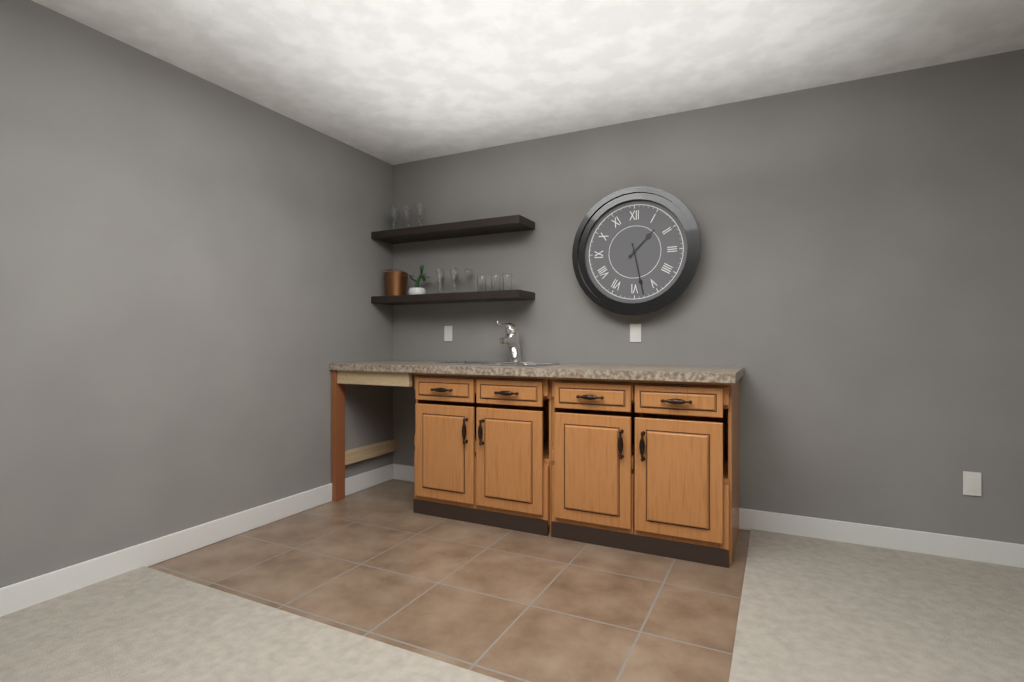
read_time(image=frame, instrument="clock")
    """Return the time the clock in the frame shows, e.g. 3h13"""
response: 1h28
